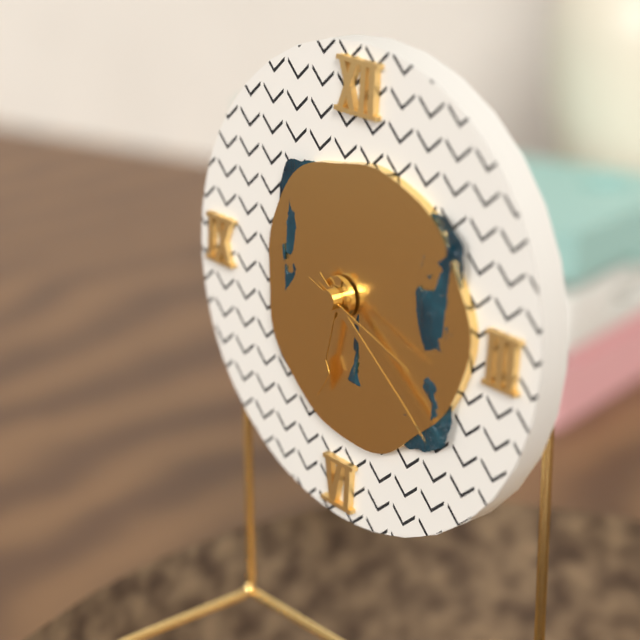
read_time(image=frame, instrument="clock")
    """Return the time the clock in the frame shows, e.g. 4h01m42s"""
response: 6h21m18s
